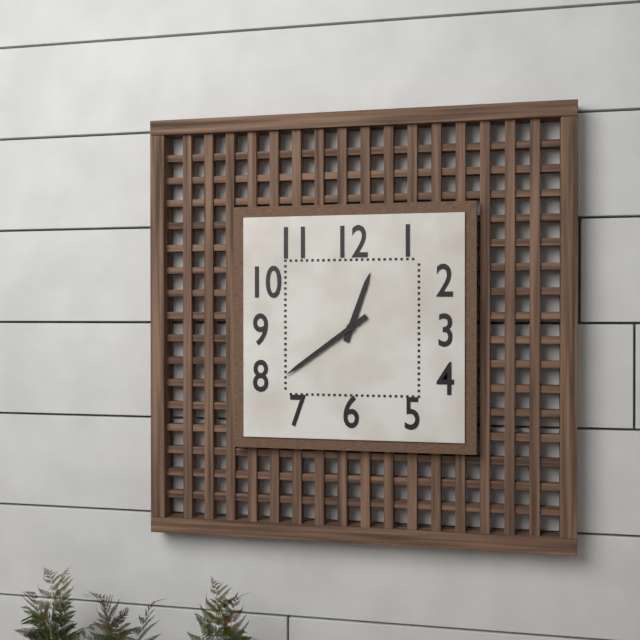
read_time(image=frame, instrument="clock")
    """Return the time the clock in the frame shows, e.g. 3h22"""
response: 12h39
